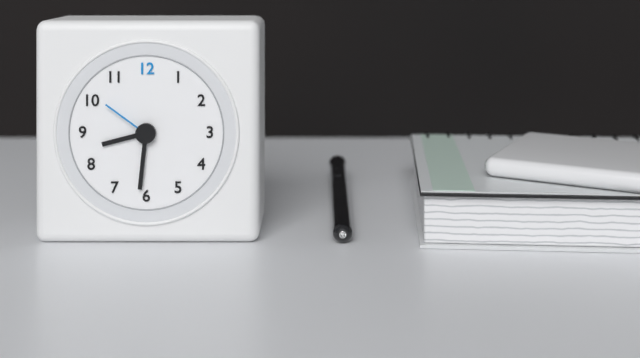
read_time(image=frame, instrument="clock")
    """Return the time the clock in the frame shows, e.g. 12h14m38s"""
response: 8h31m51s
